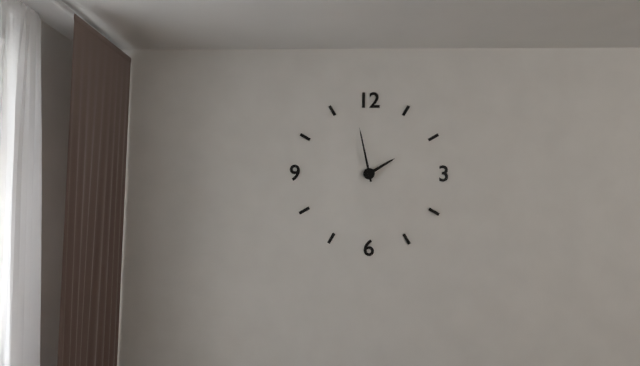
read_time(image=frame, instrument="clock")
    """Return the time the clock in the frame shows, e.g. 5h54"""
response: 1h58
